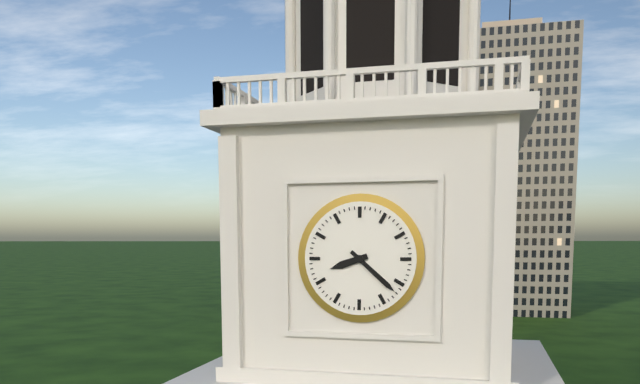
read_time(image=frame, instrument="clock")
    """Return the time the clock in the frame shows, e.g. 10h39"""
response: 8h22
